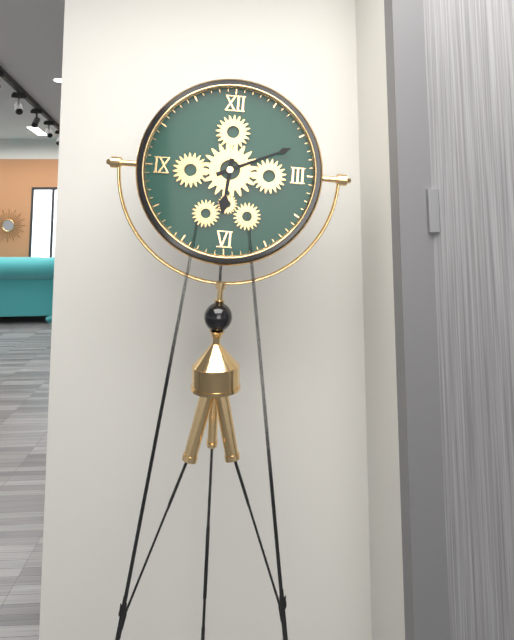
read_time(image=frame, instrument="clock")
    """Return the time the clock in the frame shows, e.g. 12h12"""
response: 6h11
